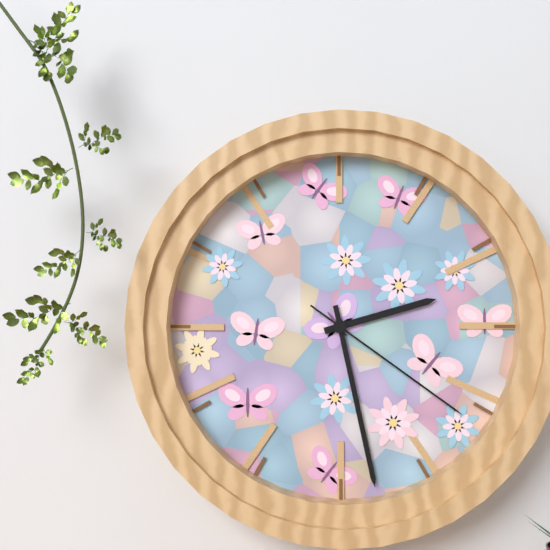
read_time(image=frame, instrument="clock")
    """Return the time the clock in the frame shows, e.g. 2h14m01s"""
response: 2h28m21s
